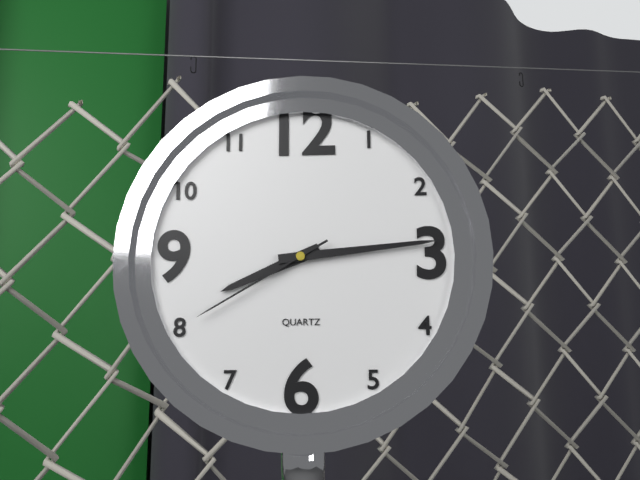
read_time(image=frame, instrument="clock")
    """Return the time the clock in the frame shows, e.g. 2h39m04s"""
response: 8h14m40s
